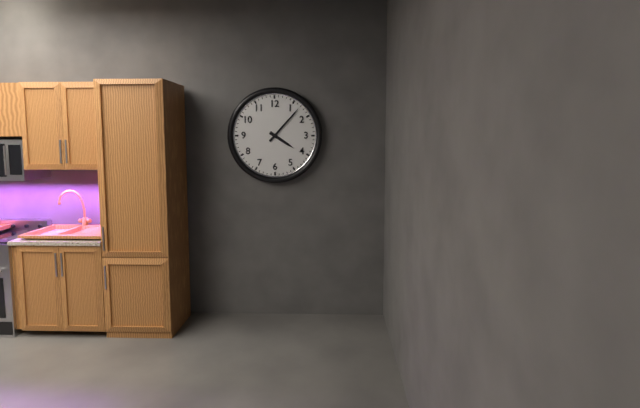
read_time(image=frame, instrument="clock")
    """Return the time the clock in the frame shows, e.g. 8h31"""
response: 4h07
